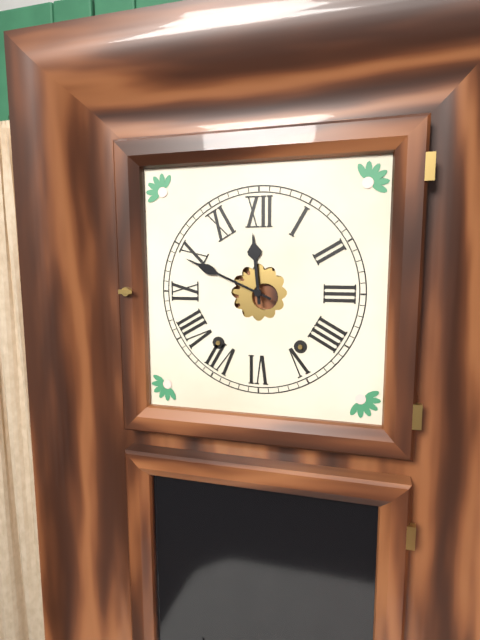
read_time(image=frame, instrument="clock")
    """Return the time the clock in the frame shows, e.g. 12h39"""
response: 11h49
